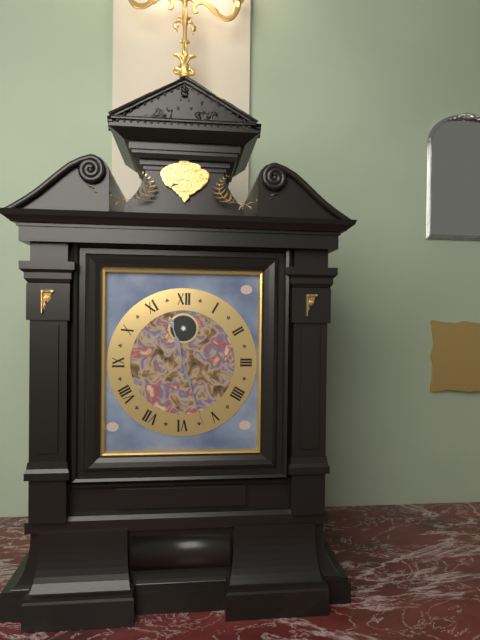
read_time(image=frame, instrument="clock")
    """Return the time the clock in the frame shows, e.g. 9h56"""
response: 11h27
